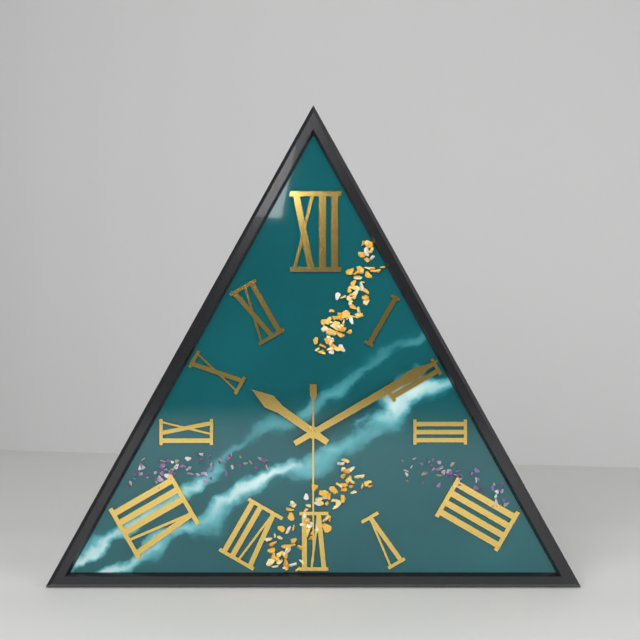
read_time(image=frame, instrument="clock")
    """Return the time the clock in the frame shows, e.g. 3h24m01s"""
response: 10h10m30s
